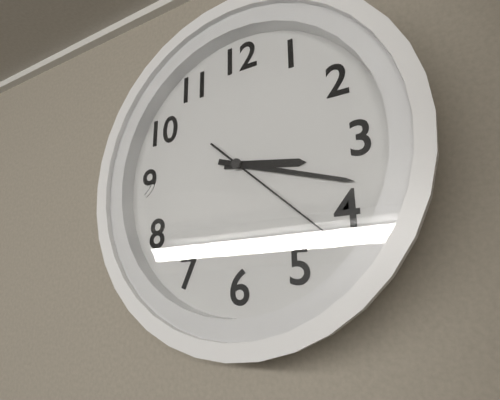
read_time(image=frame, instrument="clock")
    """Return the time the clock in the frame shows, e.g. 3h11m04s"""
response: 3h18m22s
